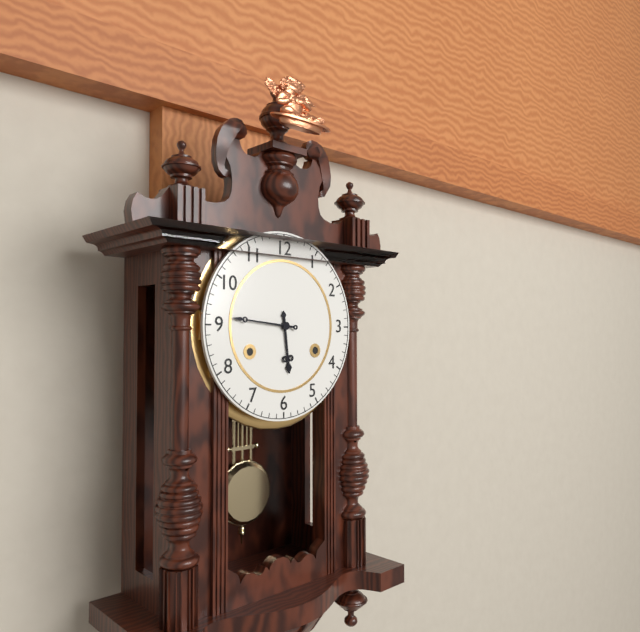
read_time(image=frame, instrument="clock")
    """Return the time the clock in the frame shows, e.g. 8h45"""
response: 5h46
